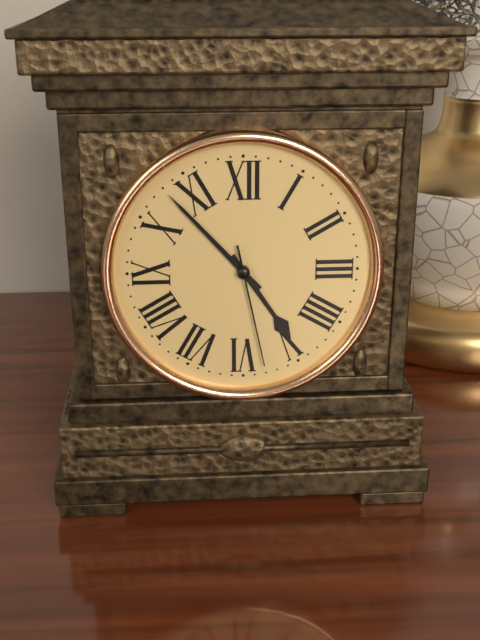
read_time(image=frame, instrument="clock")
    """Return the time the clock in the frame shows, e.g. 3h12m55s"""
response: 4h53m28s
